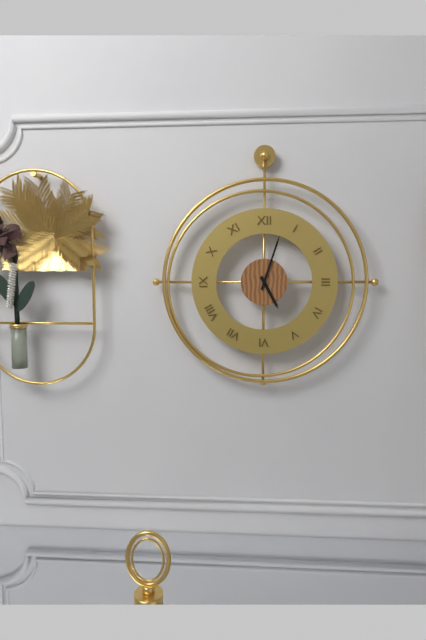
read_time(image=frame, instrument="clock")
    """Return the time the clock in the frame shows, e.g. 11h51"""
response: 5h03
